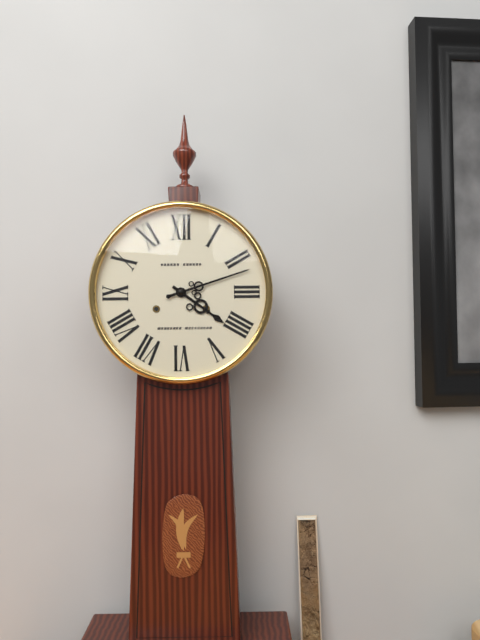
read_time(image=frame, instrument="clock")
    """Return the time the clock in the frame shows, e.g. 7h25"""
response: 4h12
